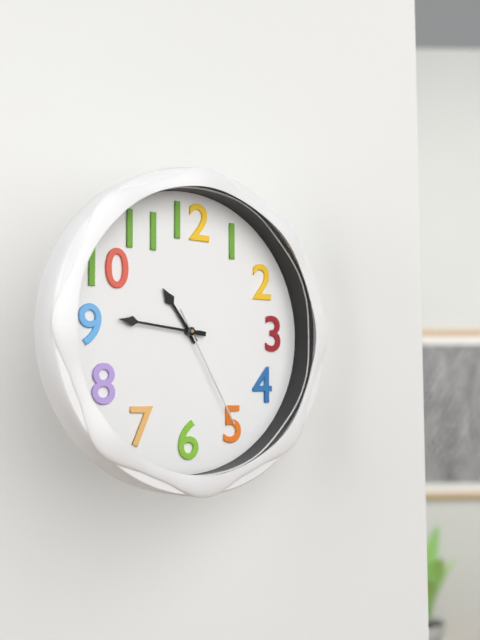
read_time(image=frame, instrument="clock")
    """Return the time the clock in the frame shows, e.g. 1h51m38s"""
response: 10h46m25s
